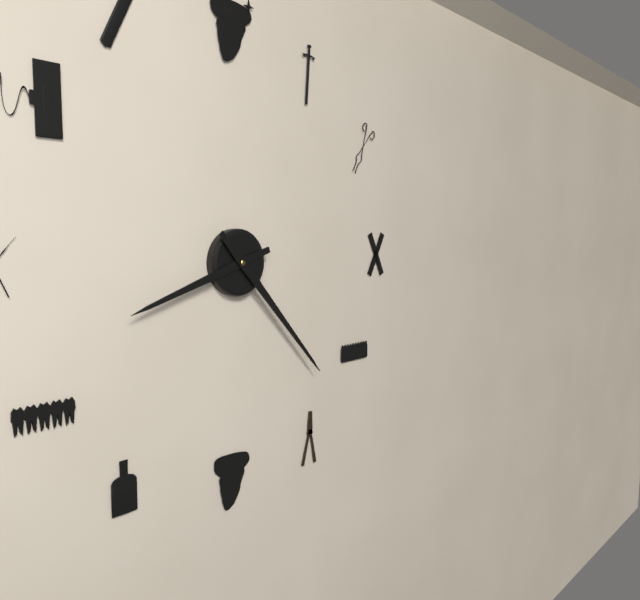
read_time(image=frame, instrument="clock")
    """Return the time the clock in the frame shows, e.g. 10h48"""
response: 8h23
